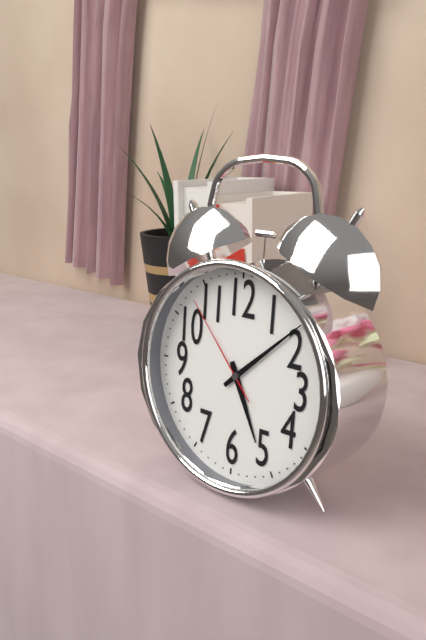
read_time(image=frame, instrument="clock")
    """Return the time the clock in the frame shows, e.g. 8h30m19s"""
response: 5h08m53s
